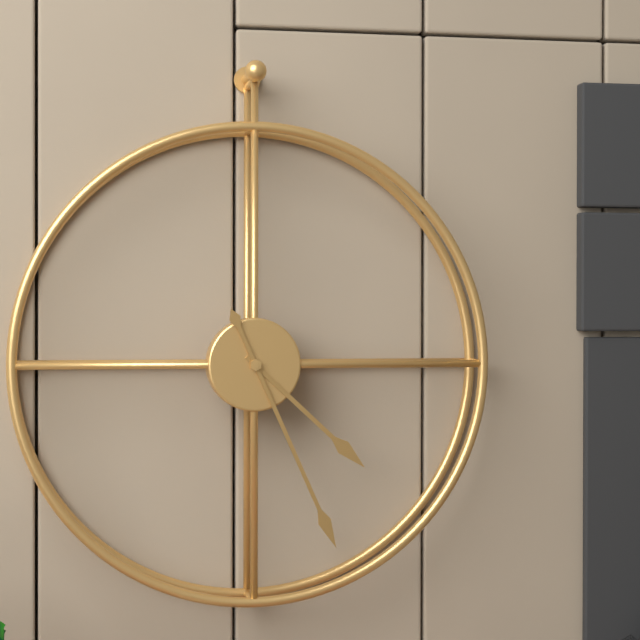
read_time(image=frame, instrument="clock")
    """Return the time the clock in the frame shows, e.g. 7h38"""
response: 4h26
